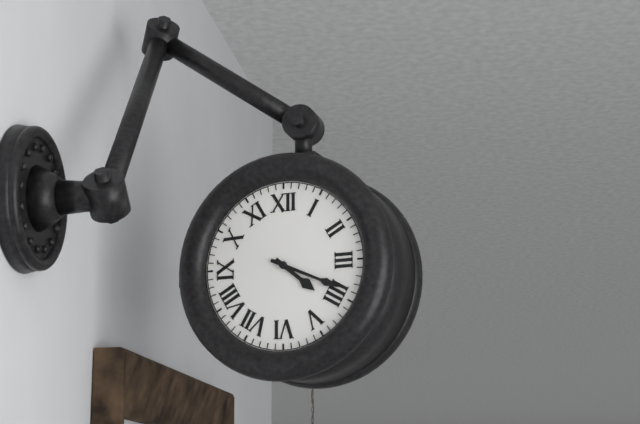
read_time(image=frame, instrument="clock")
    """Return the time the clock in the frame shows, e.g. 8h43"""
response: 4h19
